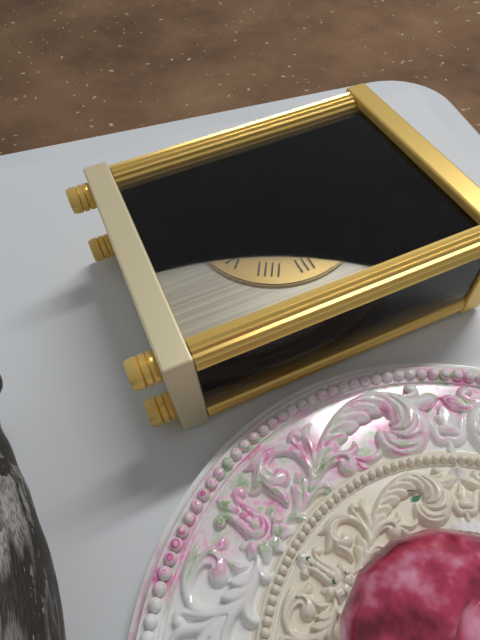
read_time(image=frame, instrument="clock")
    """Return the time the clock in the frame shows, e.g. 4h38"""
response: 2h34
